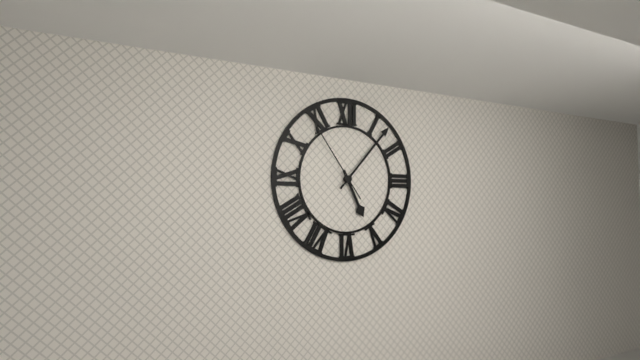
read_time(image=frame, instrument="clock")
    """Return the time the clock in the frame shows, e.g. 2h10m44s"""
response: 5h07m54s
